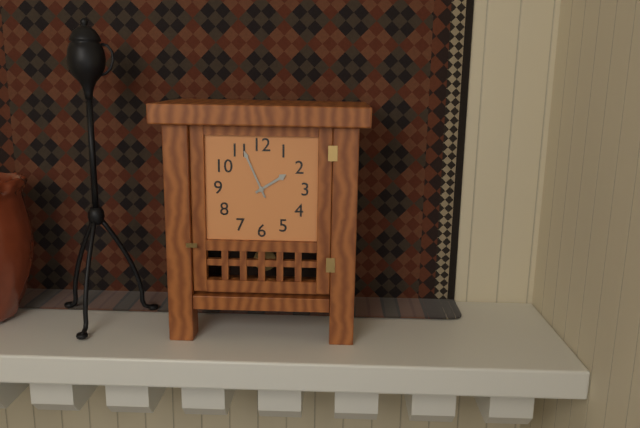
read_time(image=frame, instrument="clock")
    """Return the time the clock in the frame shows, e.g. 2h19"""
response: 1h56
